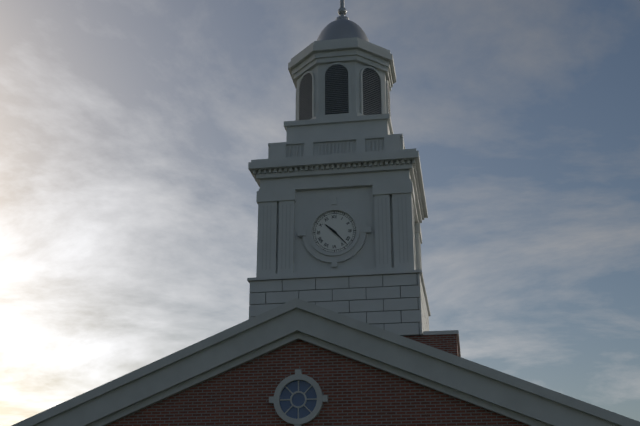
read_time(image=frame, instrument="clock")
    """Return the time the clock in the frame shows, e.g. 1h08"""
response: 10h23
